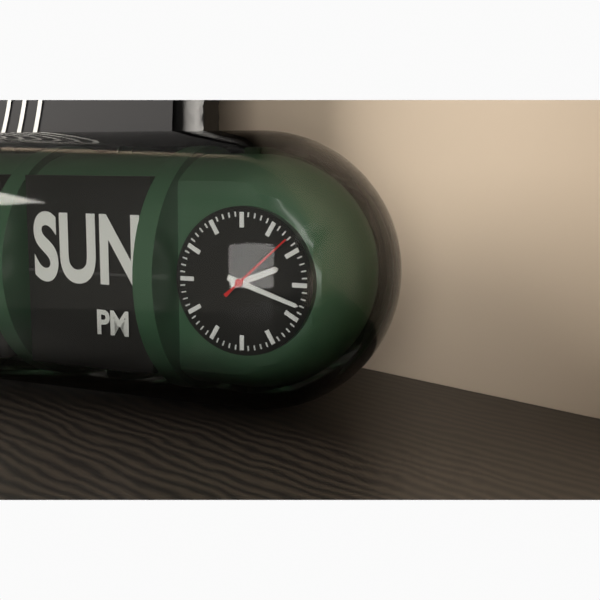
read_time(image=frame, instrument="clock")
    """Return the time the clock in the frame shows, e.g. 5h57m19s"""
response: 2h18m08s
